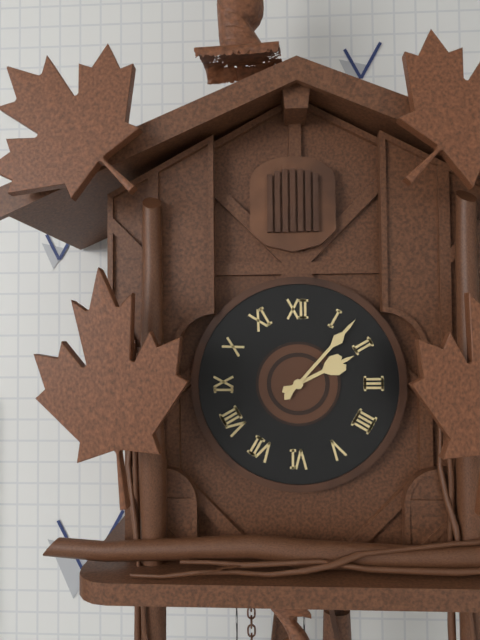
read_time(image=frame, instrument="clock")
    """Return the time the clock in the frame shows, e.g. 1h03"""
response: 2h07
